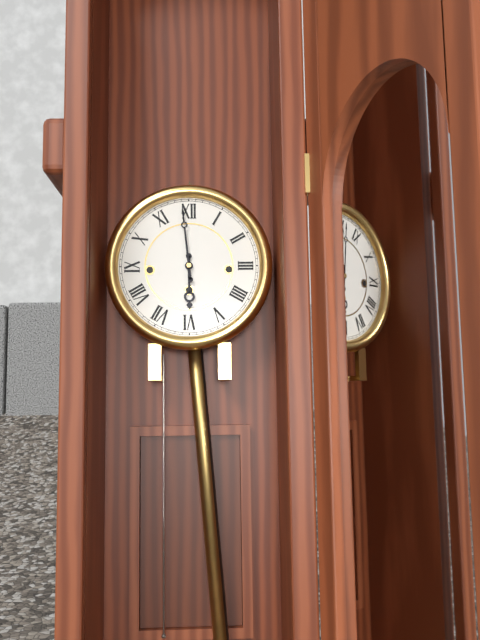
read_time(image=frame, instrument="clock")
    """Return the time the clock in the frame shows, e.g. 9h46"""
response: 5h59
